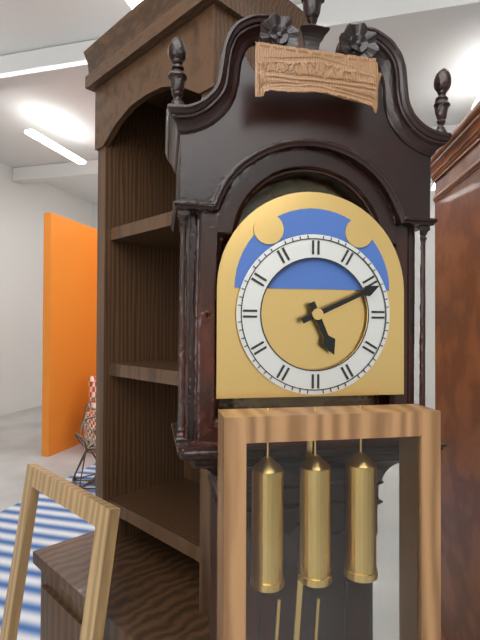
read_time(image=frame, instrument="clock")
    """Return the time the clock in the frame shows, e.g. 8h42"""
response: 5h11
